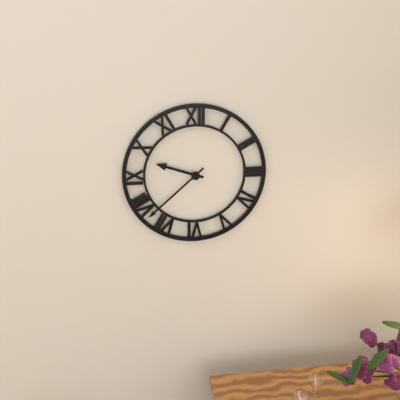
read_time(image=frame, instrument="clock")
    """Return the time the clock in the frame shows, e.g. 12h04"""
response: 9h38
